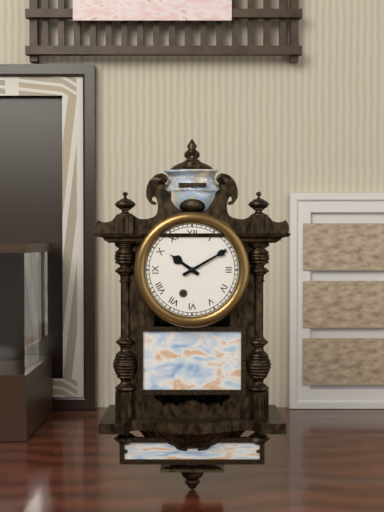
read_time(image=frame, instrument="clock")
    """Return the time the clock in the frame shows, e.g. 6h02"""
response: 10h10
